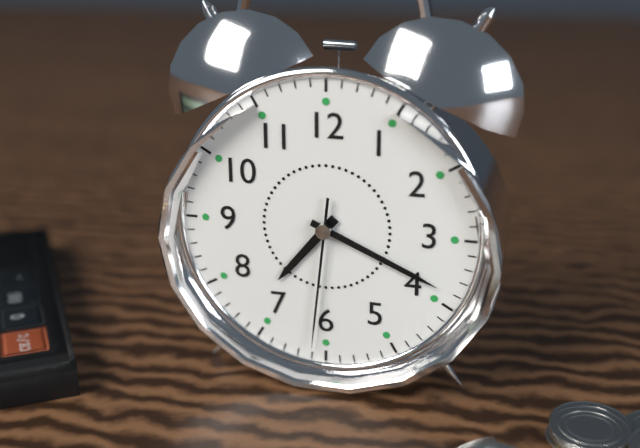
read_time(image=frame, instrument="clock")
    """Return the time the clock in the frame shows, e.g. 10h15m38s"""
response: 7h19m31s
